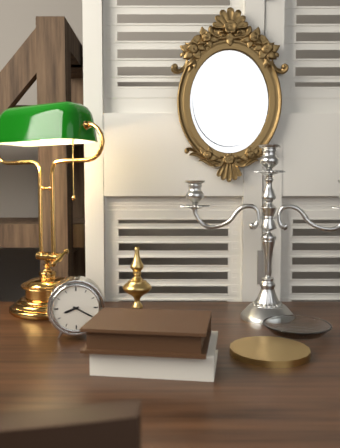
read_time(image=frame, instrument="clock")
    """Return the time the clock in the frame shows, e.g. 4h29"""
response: 8h20
